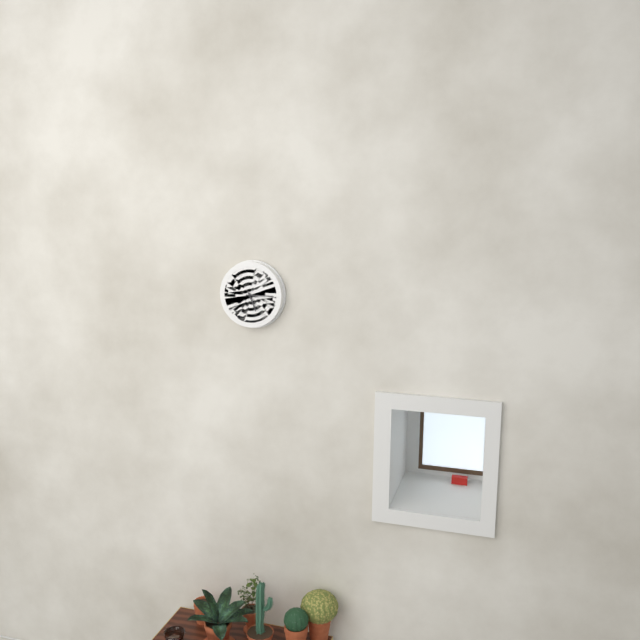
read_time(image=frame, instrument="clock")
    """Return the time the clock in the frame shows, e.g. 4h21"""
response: 5h15
